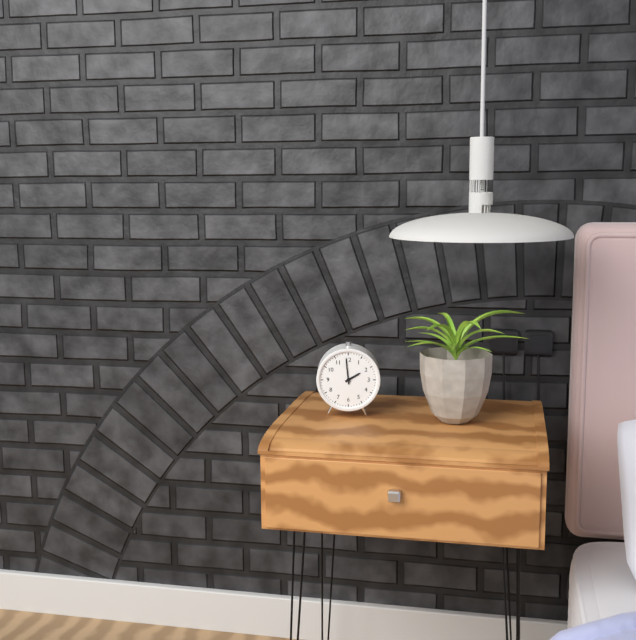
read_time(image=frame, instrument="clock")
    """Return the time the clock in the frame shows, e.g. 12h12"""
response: 1h59
